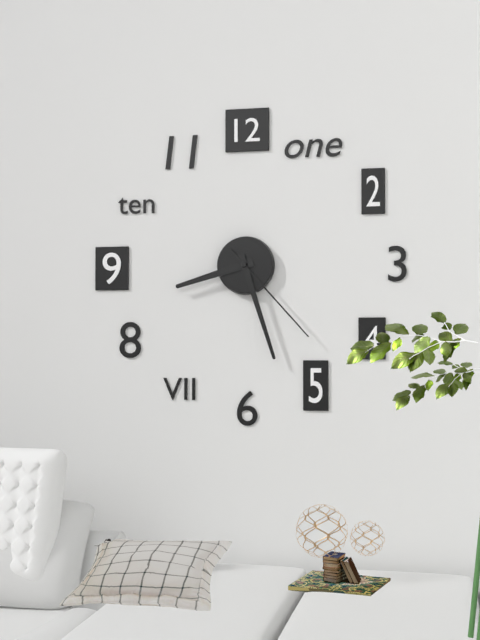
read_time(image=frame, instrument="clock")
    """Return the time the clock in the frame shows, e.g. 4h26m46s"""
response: 8h27m23s
